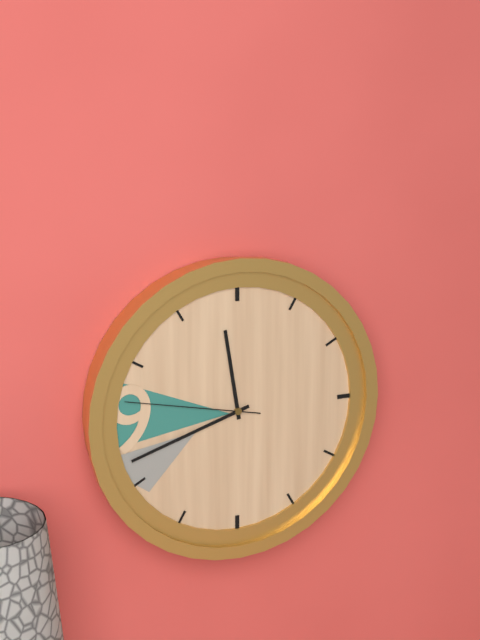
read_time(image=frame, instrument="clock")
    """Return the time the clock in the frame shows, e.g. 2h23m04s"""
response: 11h42m47s
